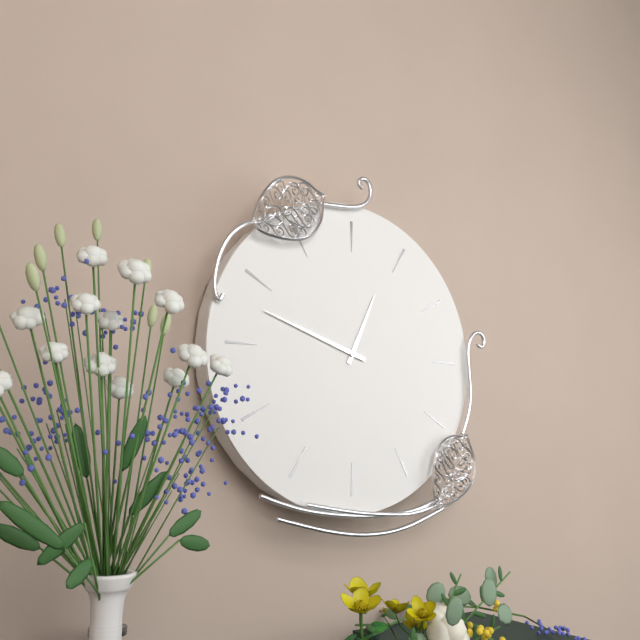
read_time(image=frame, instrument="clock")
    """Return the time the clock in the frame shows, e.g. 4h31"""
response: 12h48
